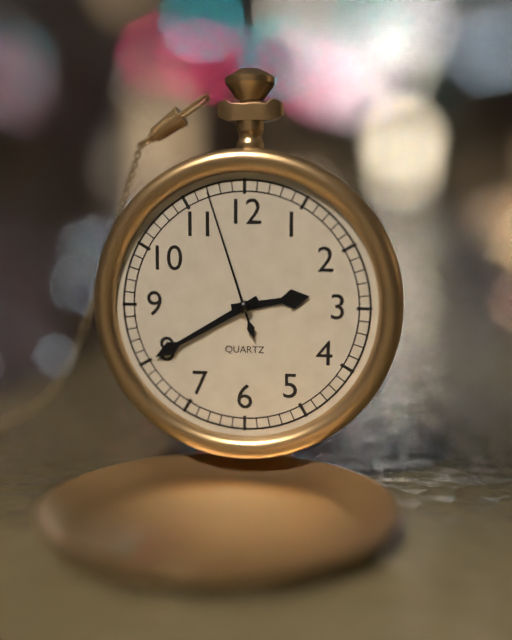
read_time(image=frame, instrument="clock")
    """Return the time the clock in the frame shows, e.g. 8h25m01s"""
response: 2h40m57s
